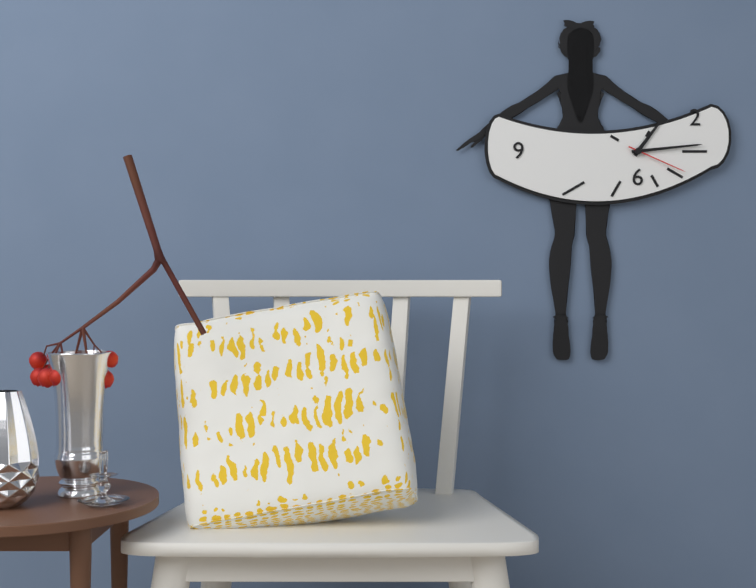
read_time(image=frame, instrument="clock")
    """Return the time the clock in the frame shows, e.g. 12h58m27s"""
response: 1h14m19s
